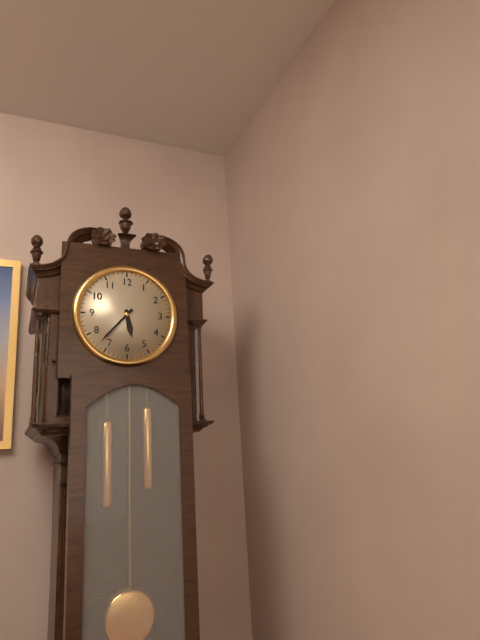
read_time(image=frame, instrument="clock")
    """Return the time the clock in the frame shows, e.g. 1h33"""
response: 5h37
